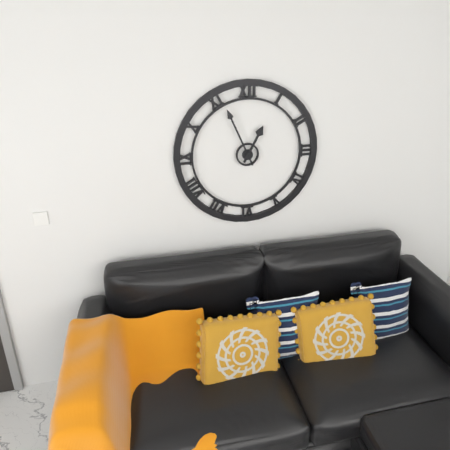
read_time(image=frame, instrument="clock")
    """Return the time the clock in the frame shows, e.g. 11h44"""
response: 12h56
